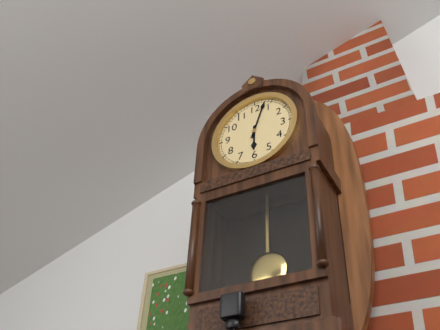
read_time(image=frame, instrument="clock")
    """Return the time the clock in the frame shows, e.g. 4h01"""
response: 6h03
